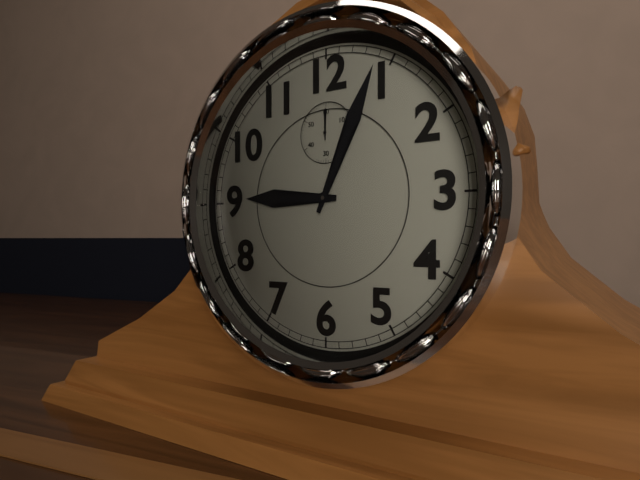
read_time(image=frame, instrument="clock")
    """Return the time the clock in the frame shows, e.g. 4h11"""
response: 9h04
